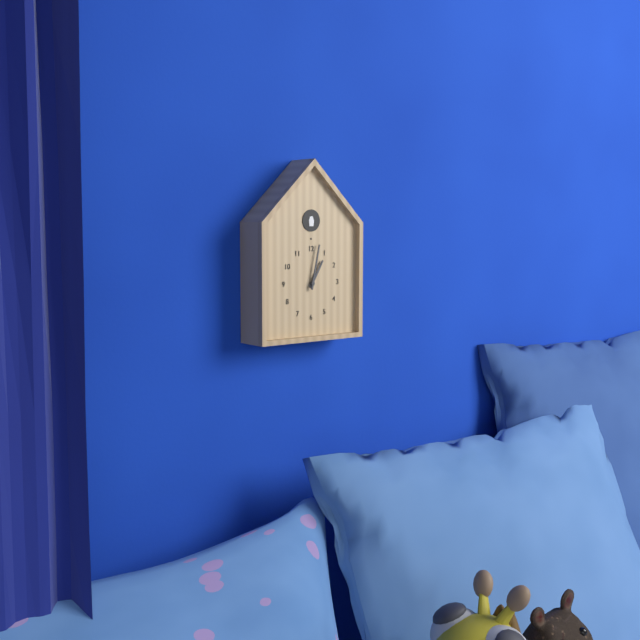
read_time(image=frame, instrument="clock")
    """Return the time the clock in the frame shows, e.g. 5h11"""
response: 1h02
